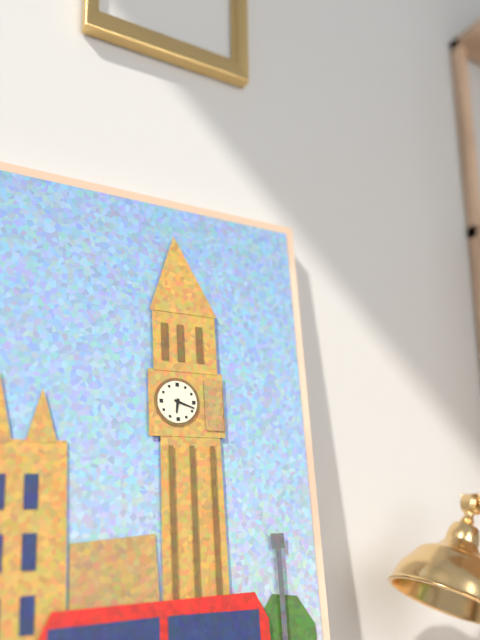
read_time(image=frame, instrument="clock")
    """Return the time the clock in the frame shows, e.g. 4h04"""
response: 6h18
